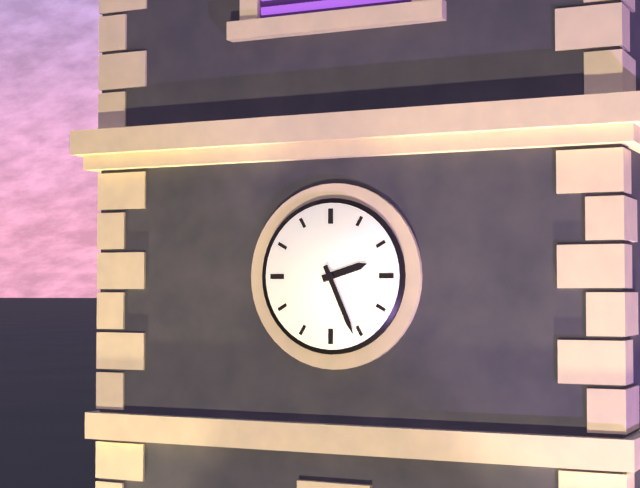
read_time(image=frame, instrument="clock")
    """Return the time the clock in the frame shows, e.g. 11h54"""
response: 2h26
